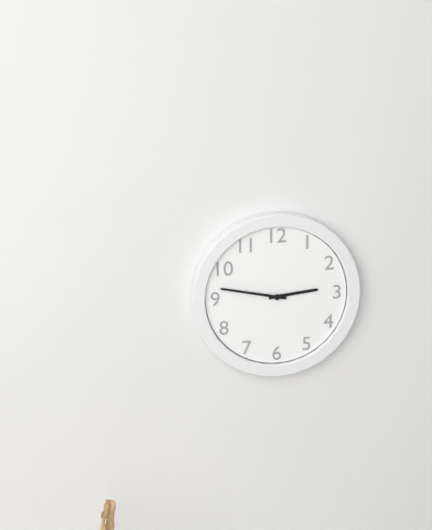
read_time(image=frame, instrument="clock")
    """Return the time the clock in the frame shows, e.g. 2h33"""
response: 2h47
